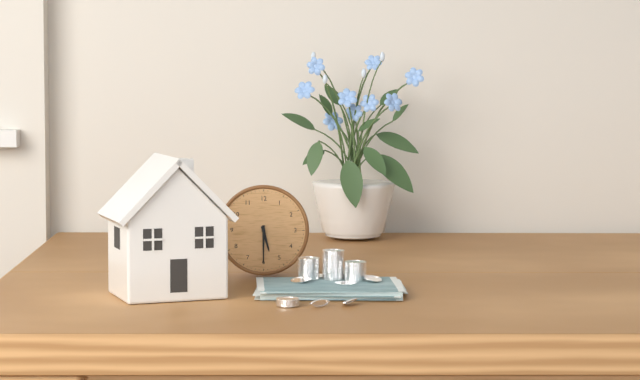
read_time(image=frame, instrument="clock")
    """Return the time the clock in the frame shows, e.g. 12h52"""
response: 5h30
